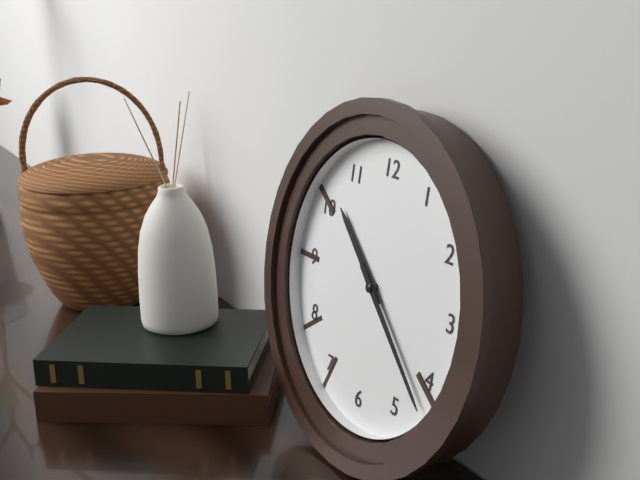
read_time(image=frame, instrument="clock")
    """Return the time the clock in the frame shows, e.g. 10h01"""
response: 10h22
